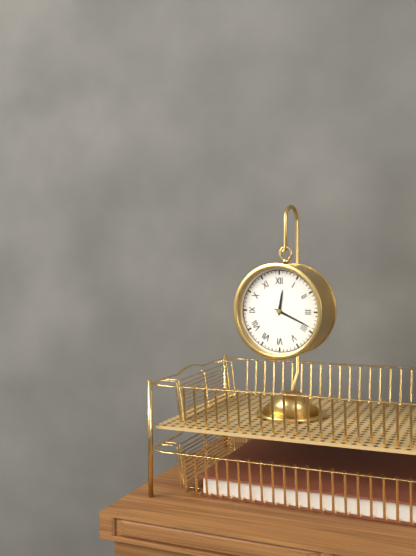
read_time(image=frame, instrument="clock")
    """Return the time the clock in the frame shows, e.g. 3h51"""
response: 12h19
